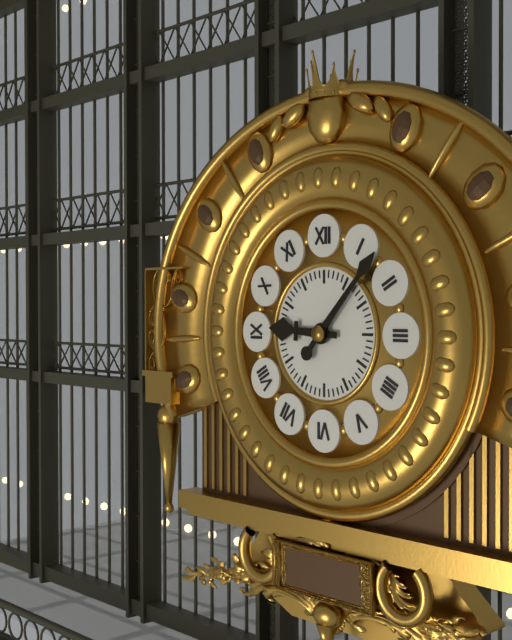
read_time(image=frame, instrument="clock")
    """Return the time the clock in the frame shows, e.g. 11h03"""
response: 9h07
